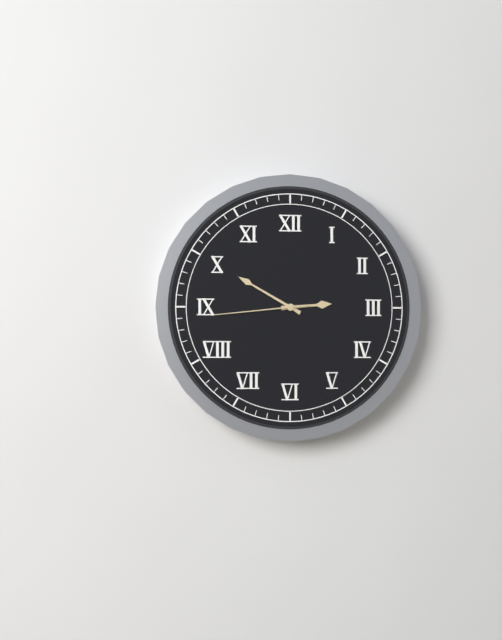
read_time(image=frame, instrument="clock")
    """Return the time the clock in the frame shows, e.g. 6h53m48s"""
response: 2h50m44s
